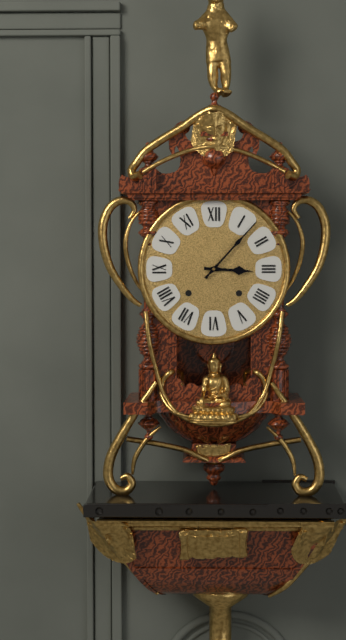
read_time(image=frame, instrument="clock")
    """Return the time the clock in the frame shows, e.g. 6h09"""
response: 3h07
